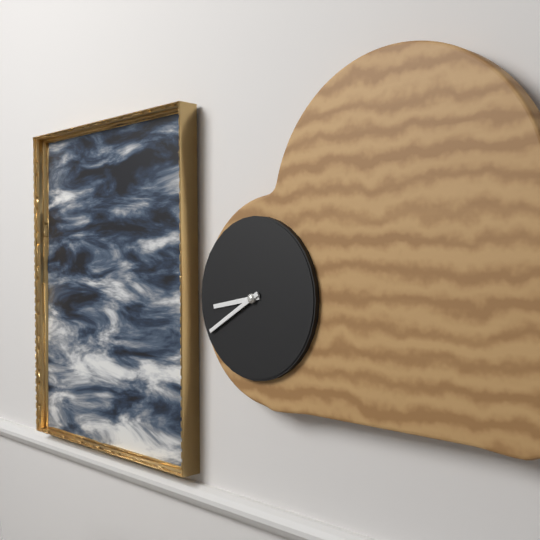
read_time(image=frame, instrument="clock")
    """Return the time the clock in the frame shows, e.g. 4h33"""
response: 8h40
